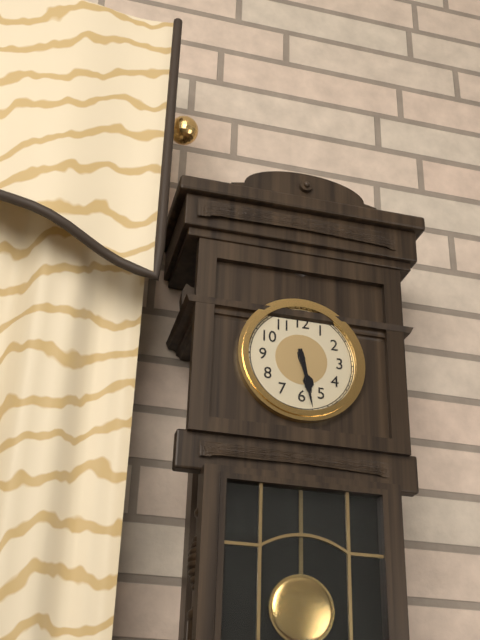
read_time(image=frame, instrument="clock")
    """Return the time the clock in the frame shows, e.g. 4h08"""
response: 5h28
